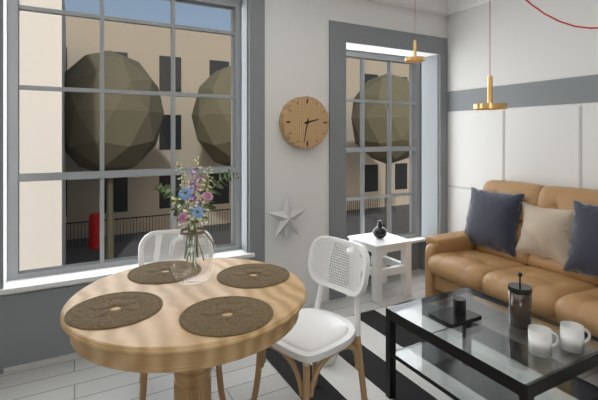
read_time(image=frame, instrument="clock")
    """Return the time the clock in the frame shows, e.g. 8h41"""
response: 2h32
